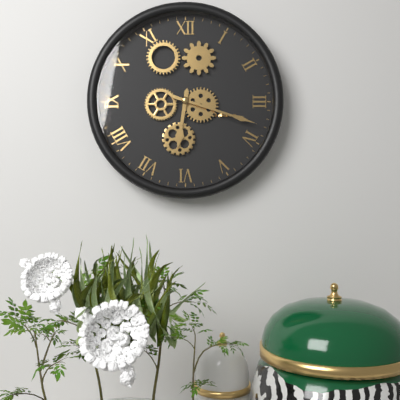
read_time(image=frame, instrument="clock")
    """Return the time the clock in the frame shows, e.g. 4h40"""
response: 6h18
